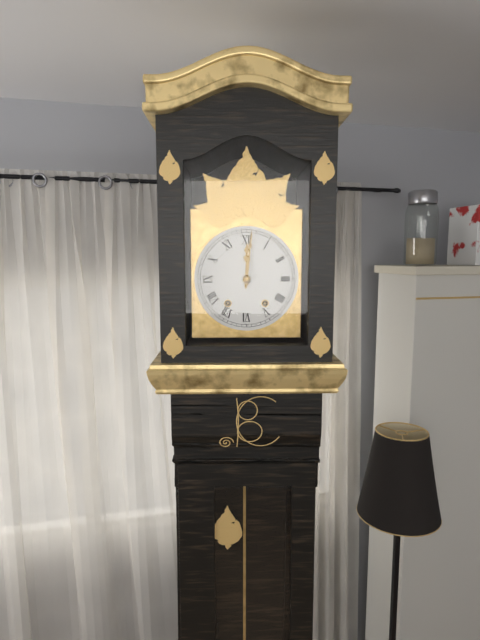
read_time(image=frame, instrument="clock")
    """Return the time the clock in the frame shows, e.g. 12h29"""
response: 12h01
